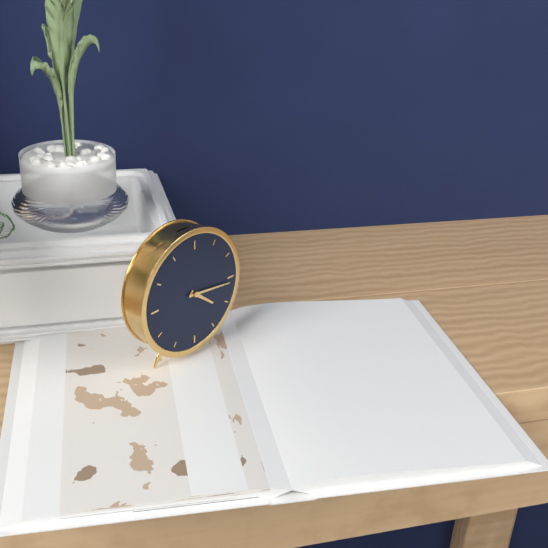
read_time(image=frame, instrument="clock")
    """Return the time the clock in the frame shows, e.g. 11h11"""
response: 4h16
